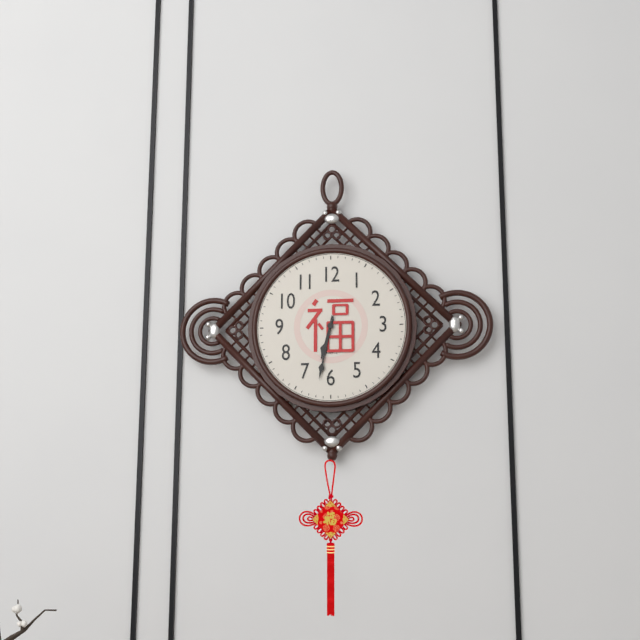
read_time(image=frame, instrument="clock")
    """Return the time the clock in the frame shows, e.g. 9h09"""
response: 6h32
